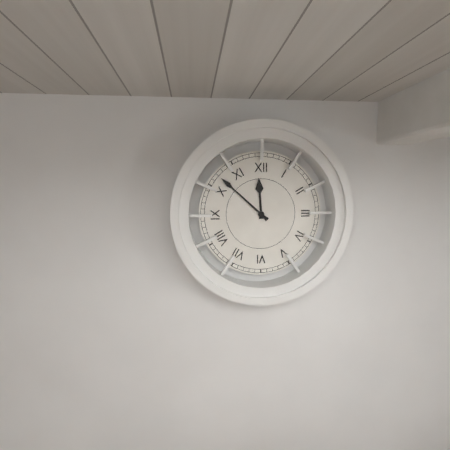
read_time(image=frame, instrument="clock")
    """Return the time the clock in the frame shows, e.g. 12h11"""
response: 11h52
